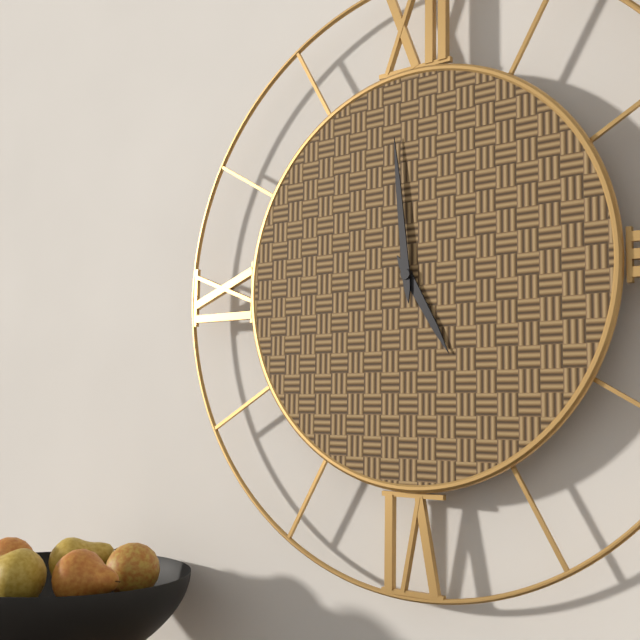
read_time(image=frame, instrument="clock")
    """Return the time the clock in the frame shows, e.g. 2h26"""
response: 4h59
